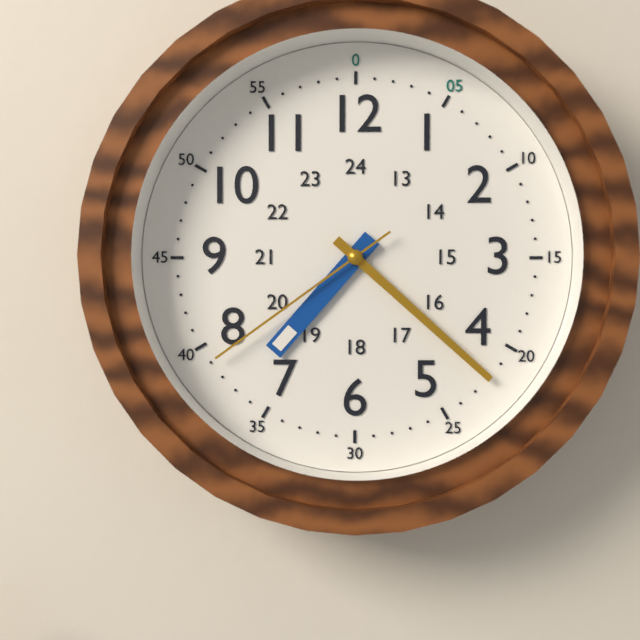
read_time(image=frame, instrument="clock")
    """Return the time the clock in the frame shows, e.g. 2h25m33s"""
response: 7h22m39s
